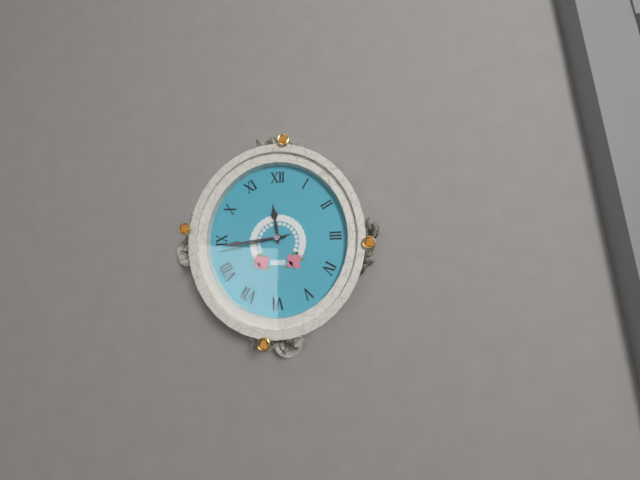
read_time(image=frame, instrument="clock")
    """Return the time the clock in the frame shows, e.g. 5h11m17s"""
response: 11h44m43s
